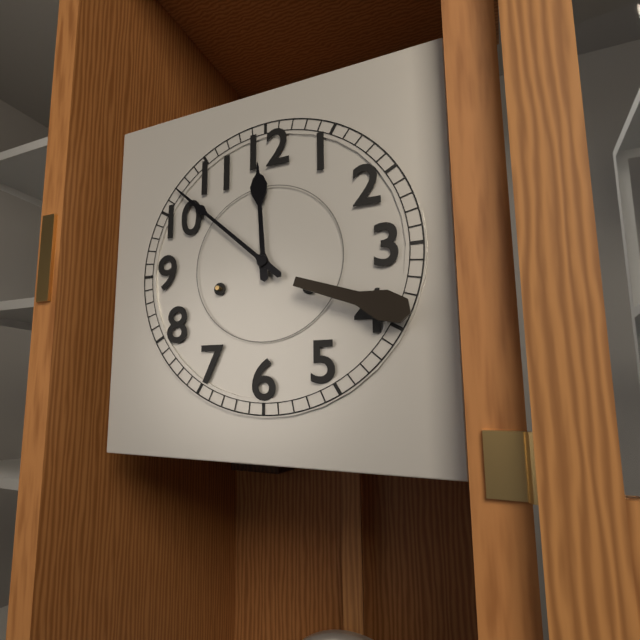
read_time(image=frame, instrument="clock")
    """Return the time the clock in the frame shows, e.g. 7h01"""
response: 11h52
